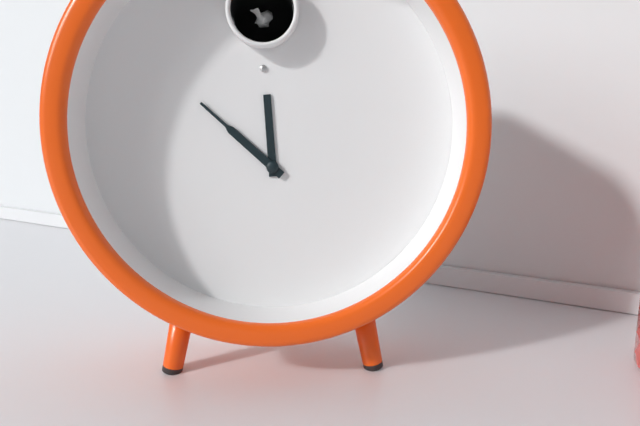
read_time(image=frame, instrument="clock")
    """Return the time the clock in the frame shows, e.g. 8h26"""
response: 11h52
